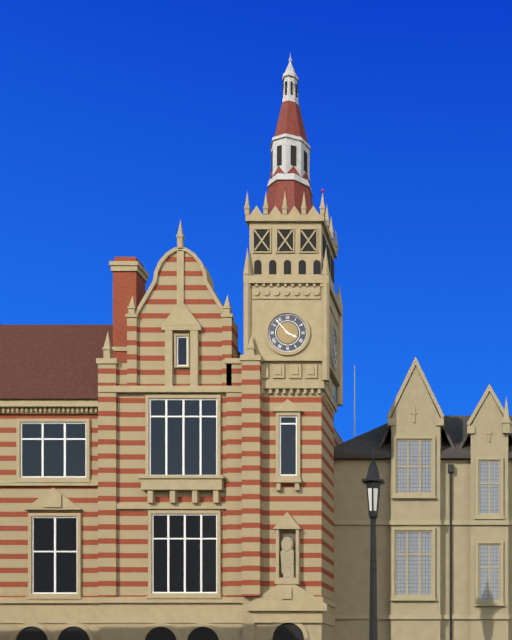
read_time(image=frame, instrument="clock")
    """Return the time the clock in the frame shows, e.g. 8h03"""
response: 3h53
